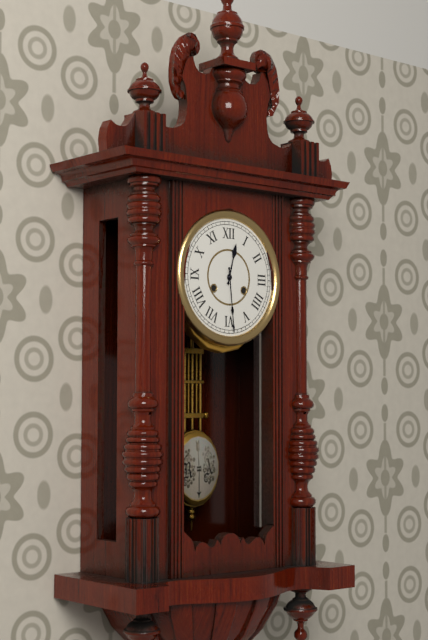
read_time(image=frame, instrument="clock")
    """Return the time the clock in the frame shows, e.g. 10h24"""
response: 12h29
